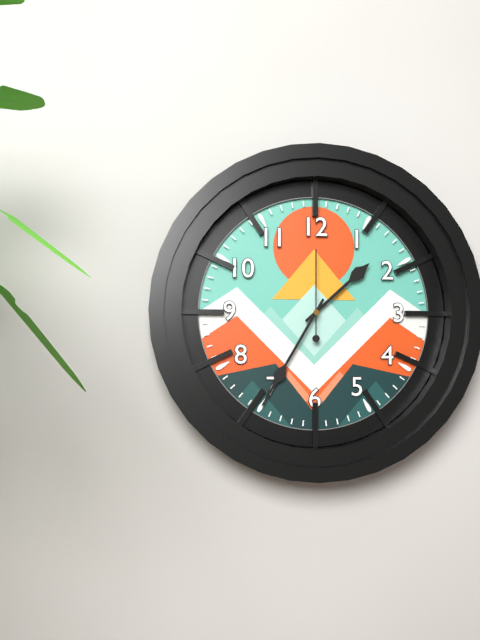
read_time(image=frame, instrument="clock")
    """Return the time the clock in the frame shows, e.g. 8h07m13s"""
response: 1h35m00s
